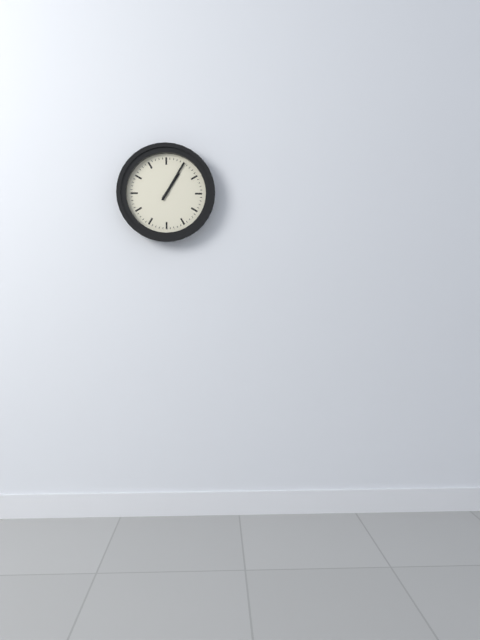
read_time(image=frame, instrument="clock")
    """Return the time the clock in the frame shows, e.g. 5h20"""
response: 1h05
